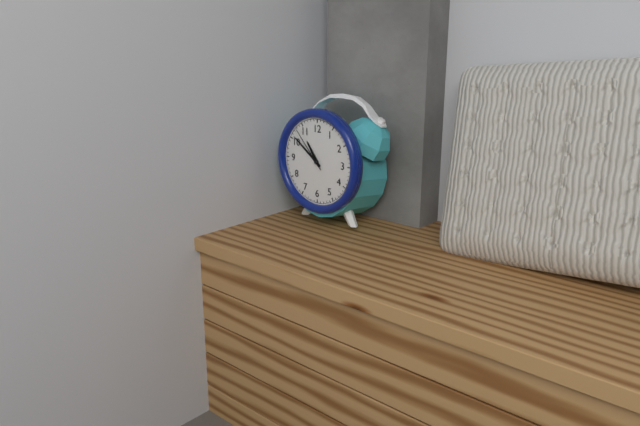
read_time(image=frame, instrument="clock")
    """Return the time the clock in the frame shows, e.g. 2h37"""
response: 10h51
